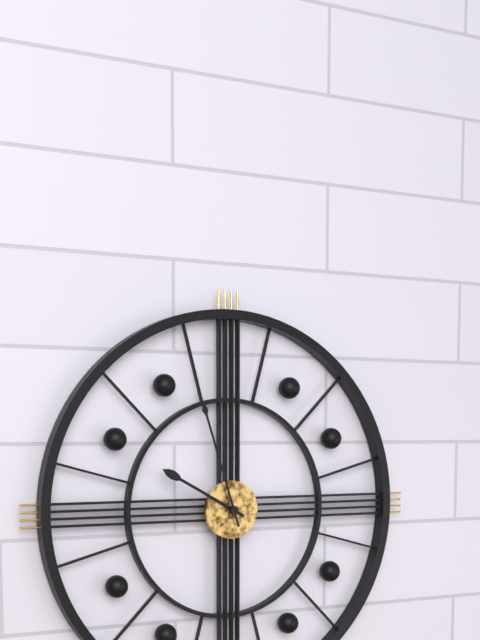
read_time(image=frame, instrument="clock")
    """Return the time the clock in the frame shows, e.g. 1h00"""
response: 9h57
